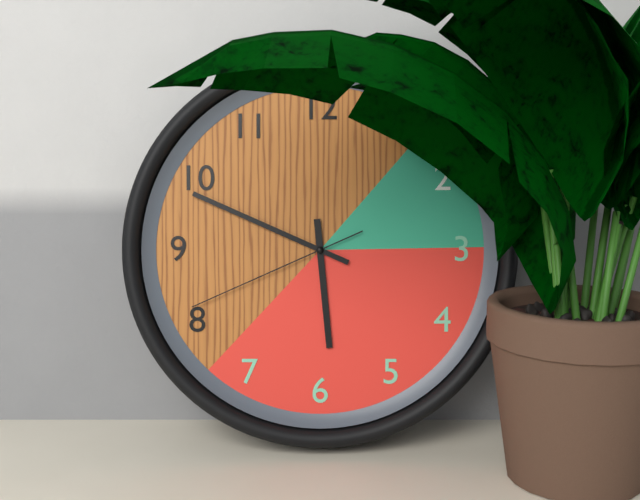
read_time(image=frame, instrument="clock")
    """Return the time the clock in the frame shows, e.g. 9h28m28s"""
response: 5h49m41s
